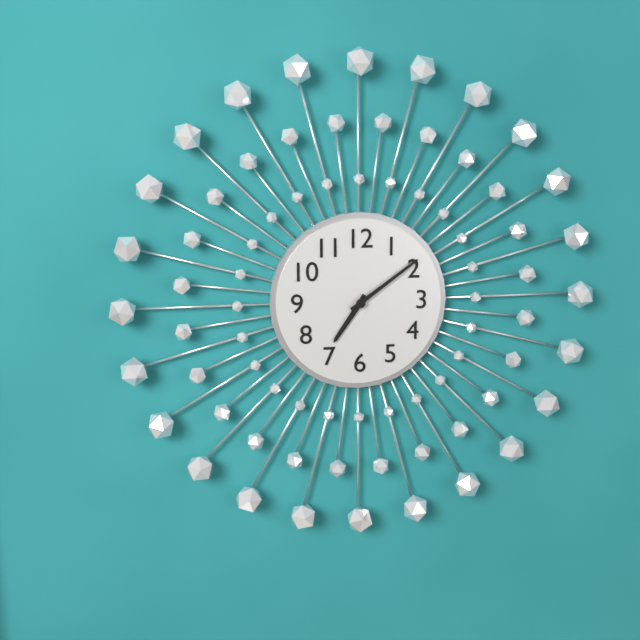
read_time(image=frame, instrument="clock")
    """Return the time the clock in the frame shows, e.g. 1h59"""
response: 7h09
